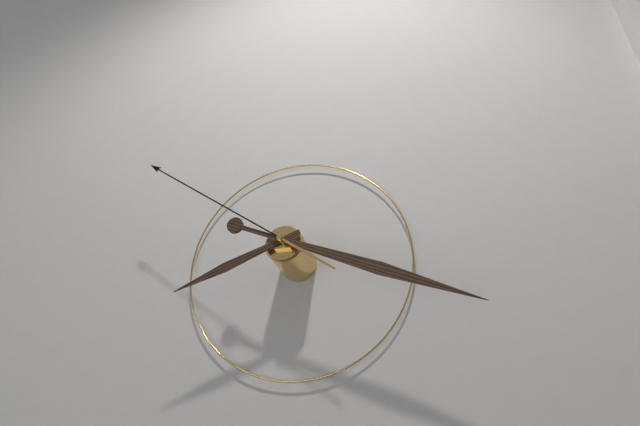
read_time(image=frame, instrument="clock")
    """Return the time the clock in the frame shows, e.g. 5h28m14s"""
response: 8h19m51s
